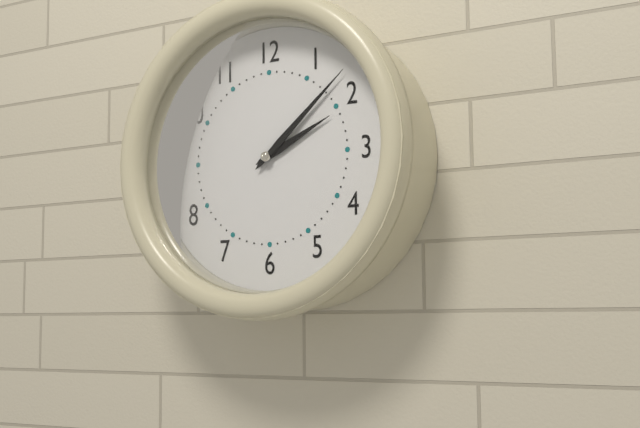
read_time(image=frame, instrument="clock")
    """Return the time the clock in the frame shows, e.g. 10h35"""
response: 2h08
